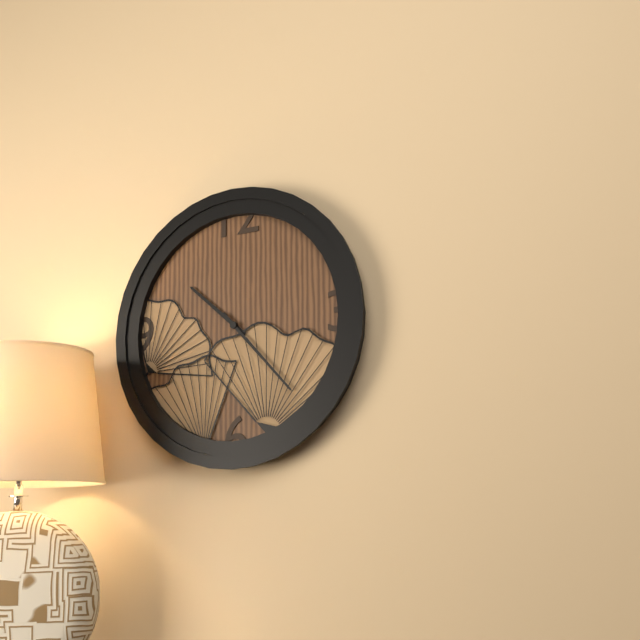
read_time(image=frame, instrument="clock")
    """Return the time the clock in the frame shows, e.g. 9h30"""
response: 10h23
